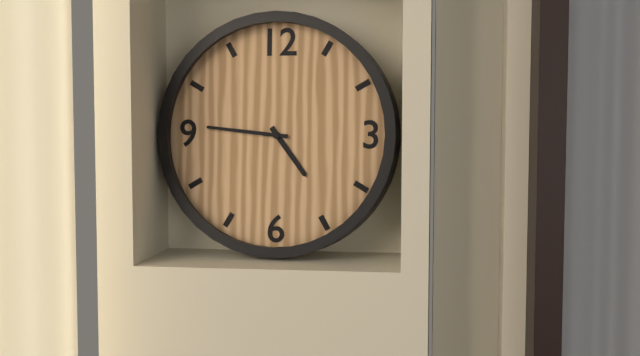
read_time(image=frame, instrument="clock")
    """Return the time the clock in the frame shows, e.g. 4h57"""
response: 4h46
